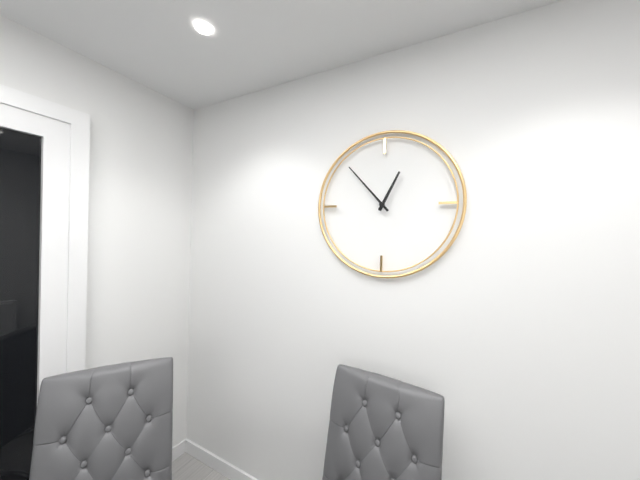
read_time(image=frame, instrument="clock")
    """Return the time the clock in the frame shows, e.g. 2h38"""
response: 12h53
